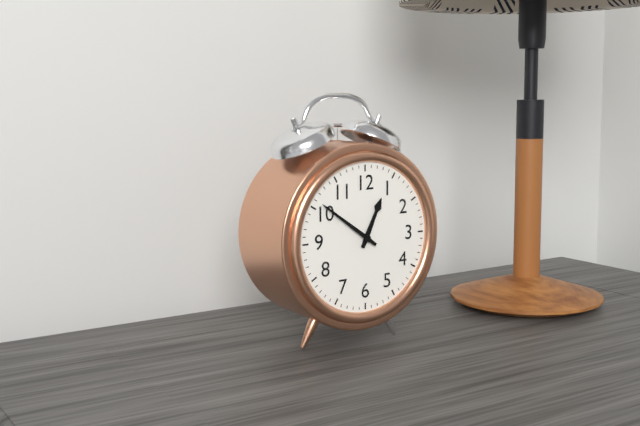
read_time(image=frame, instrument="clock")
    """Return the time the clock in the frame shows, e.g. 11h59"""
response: 12h51
